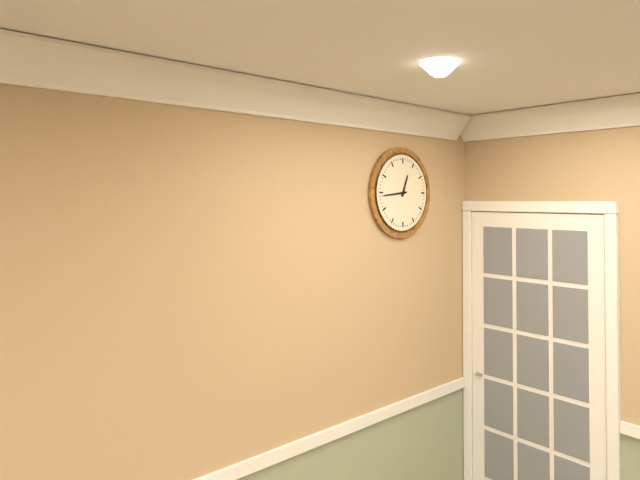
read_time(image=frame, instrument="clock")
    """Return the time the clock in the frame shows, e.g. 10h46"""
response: 12h44
